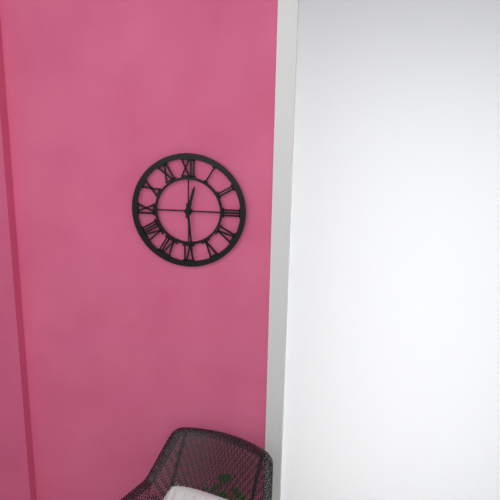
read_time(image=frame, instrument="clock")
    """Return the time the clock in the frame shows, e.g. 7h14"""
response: 12h29
